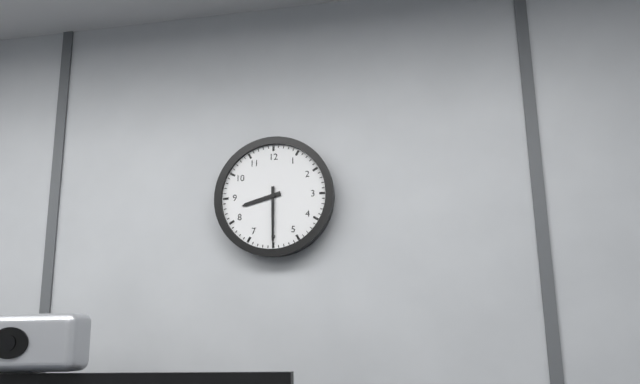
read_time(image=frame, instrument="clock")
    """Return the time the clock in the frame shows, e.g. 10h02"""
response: 8h30
